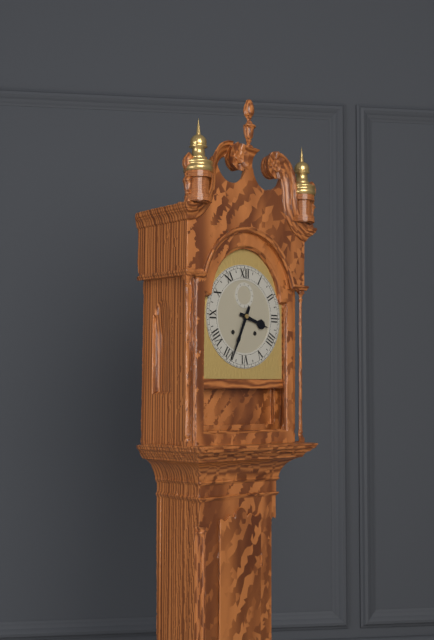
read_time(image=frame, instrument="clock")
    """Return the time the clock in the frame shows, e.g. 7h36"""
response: 3h34
